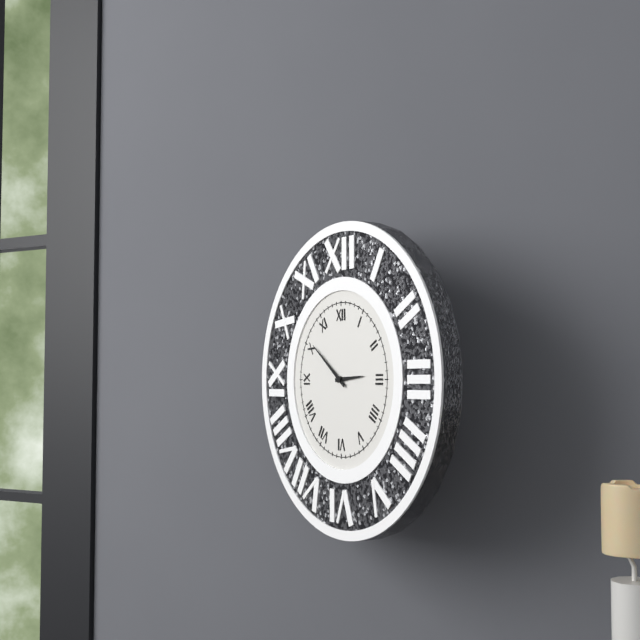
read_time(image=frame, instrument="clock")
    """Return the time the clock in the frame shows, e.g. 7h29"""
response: 2h51
